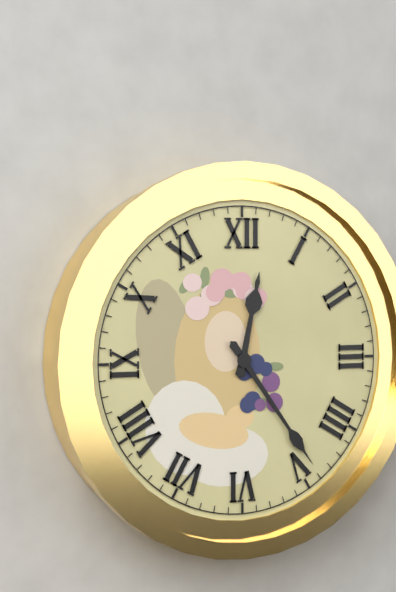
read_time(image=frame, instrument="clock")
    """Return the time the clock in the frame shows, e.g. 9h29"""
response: 12h24
